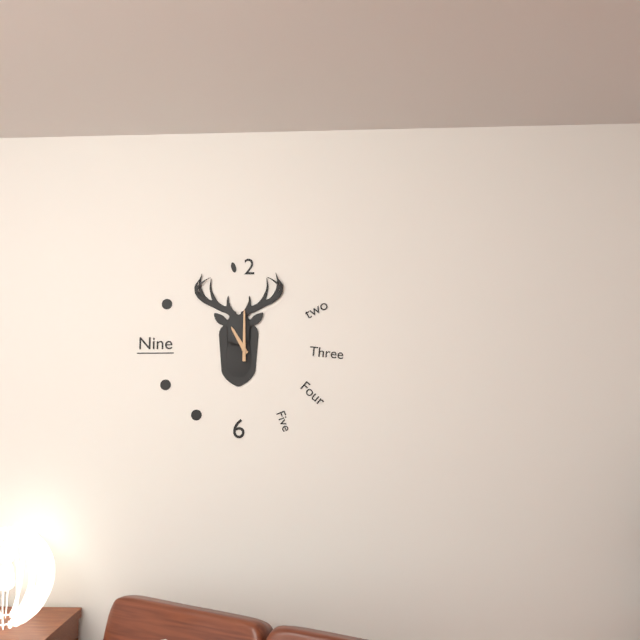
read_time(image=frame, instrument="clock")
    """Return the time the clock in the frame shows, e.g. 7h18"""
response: 11h00
